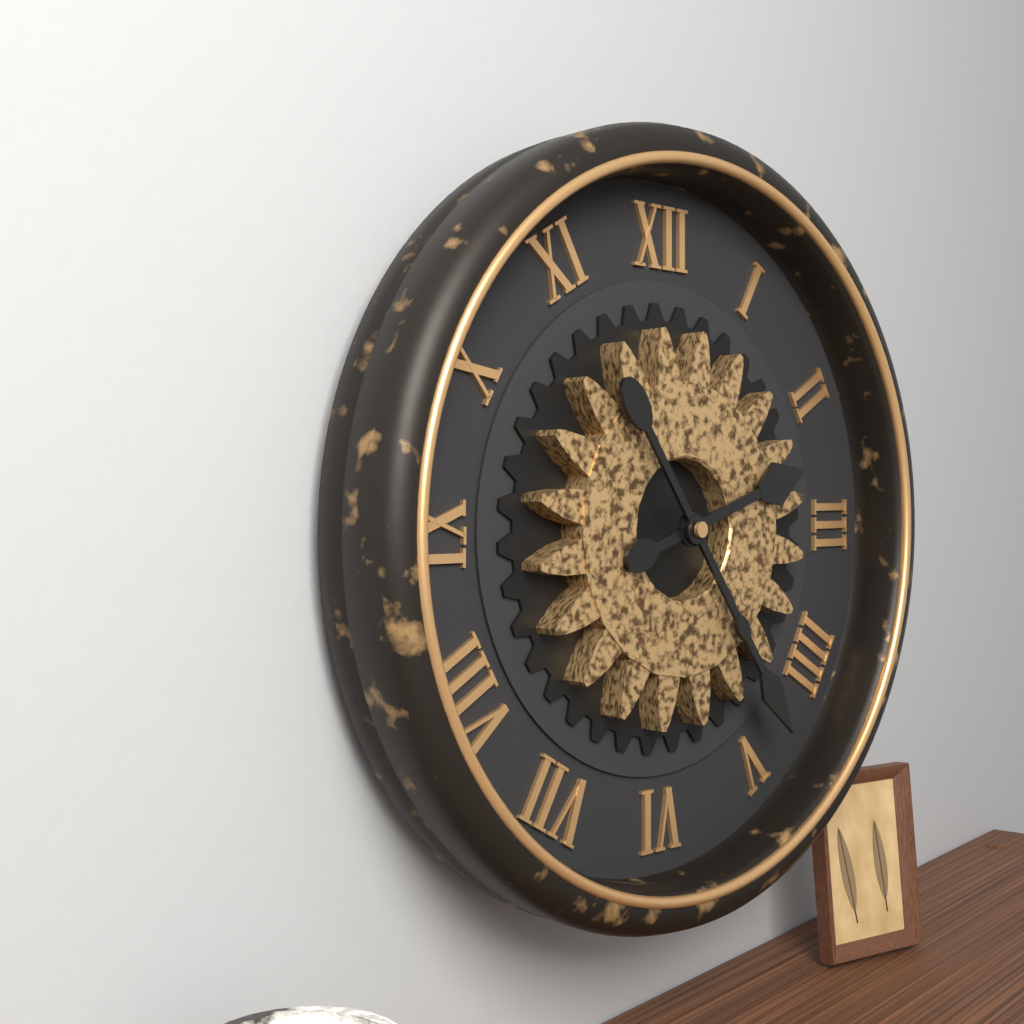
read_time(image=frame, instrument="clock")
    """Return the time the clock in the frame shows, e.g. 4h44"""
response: 2h24
